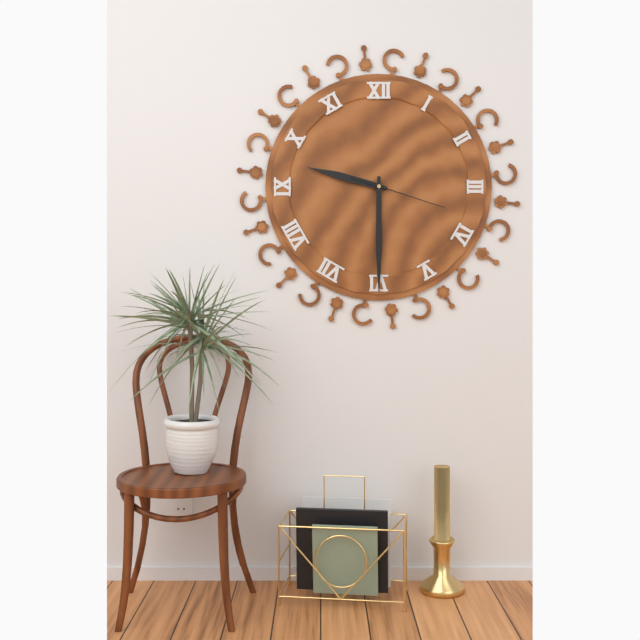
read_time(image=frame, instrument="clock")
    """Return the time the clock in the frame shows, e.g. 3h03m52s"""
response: 9h30m18s
